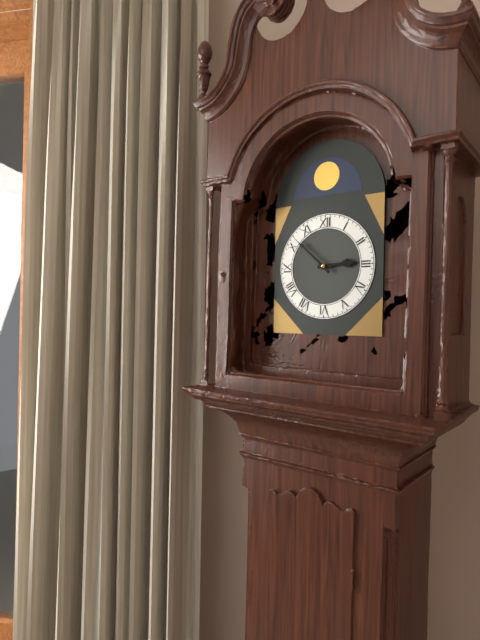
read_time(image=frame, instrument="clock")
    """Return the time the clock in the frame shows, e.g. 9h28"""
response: 2h52
